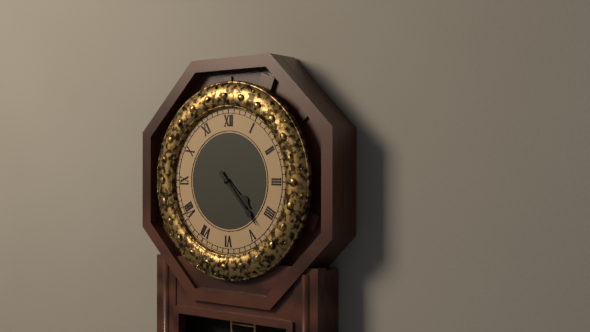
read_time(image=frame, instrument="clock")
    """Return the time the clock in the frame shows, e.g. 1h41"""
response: 4h23
